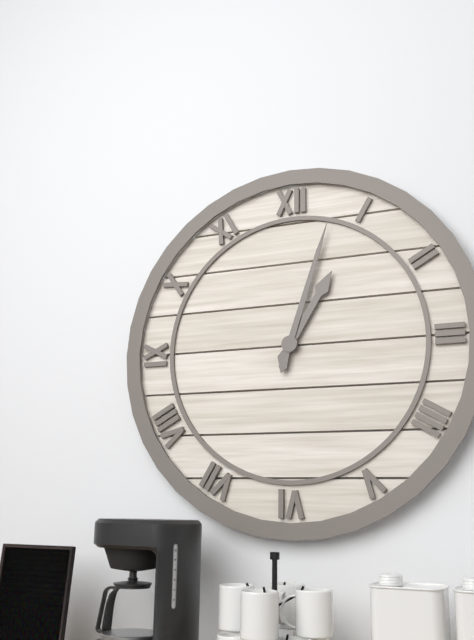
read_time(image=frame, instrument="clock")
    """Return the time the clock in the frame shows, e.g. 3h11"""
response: 1h03
